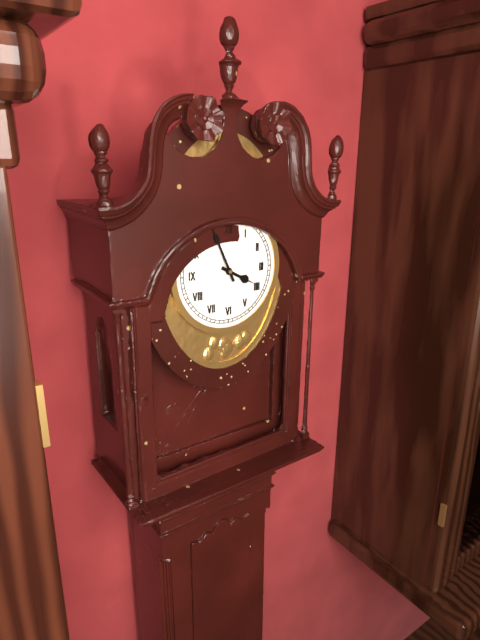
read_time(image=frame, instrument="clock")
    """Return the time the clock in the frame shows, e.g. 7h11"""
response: 3h56
